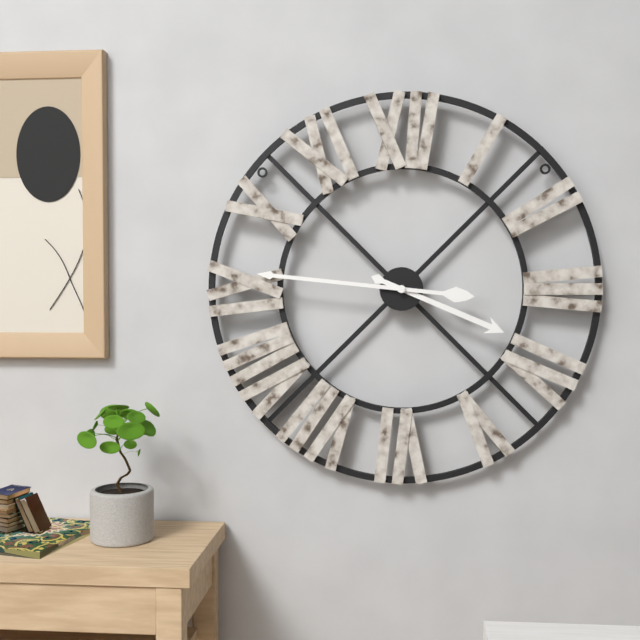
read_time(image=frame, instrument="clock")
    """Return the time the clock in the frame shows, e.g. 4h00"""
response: 3h46
